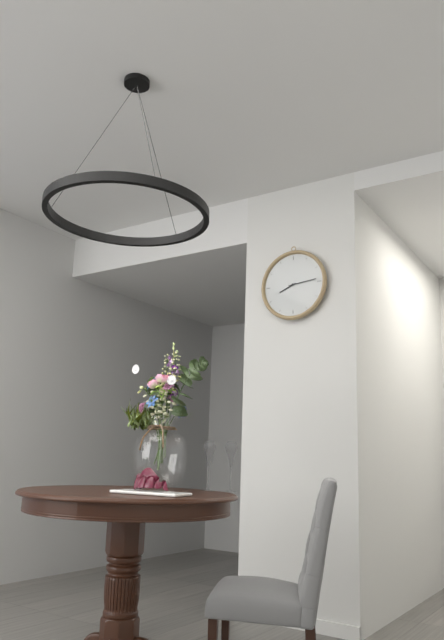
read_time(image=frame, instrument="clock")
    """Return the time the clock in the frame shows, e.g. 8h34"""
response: 8h14
